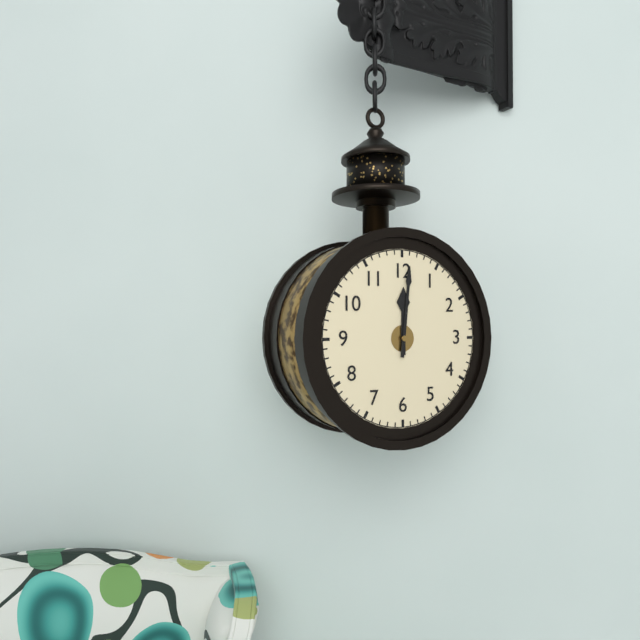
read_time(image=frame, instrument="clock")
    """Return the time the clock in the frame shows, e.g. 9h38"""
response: 12h01
